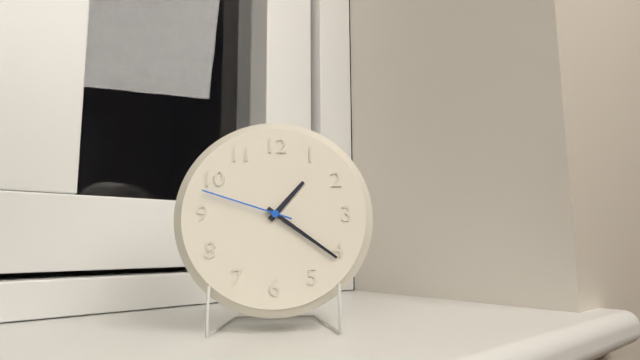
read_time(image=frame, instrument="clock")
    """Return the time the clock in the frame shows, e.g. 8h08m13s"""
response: 1h21m48s
